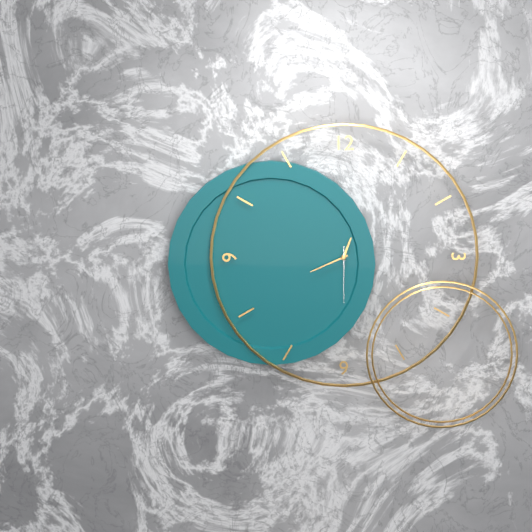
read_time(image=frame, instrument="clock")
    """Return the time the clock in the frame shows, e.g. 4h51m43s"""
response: 12h41m30s
